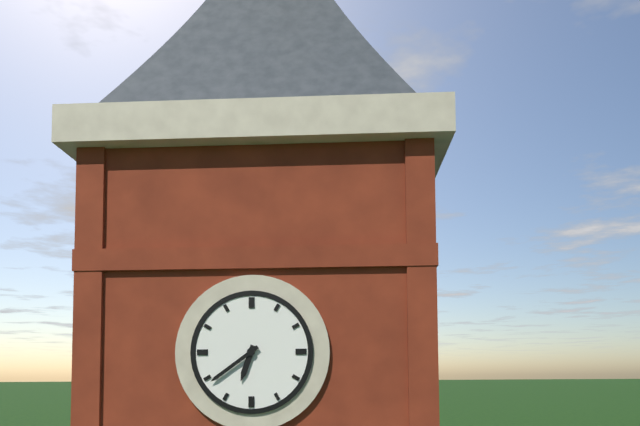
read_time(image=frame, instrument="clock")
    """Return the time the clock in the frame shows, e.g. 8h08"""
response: 6h39
